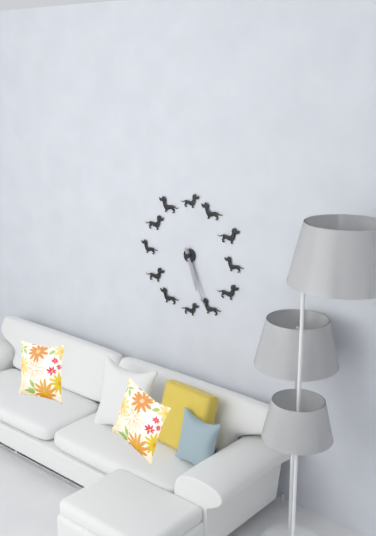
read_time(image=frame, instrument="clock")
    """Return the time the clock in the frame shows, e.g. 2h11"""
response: 5h26
